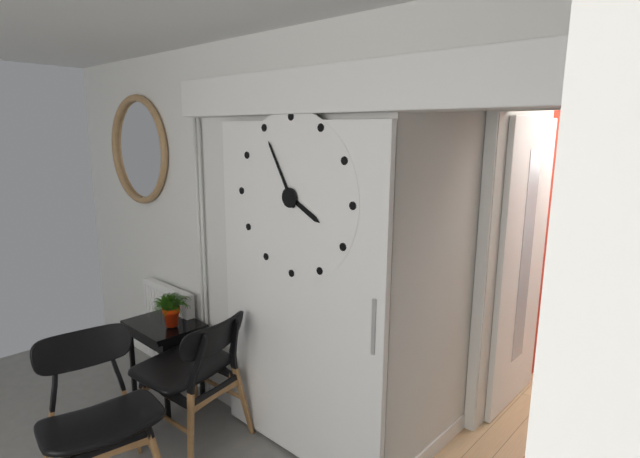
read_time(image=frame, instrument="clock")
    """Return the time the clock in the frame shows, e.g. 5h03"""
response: 3h55
